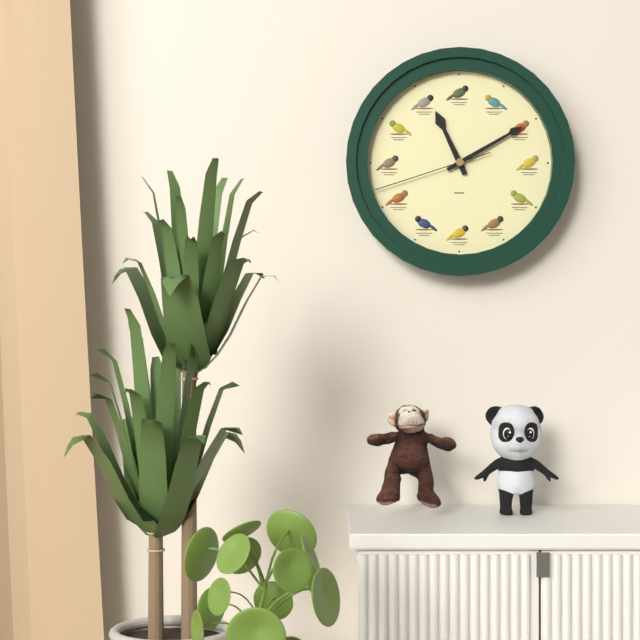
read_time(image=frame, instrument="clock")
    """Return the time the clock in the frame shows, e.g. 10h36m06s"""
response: 11h10m42s
